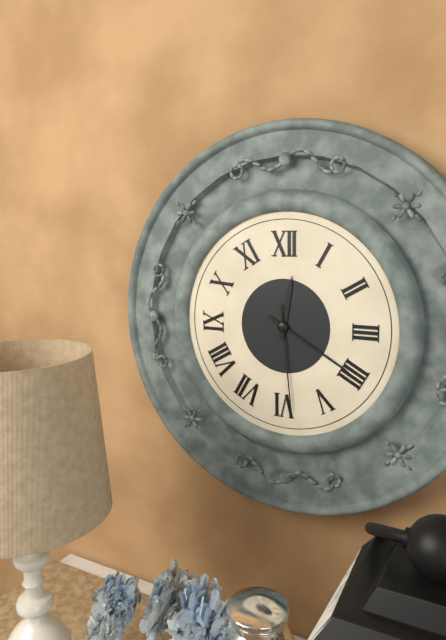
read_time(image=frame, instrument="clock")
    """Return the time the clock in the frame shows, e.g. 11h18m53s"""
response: 12h20m29s
